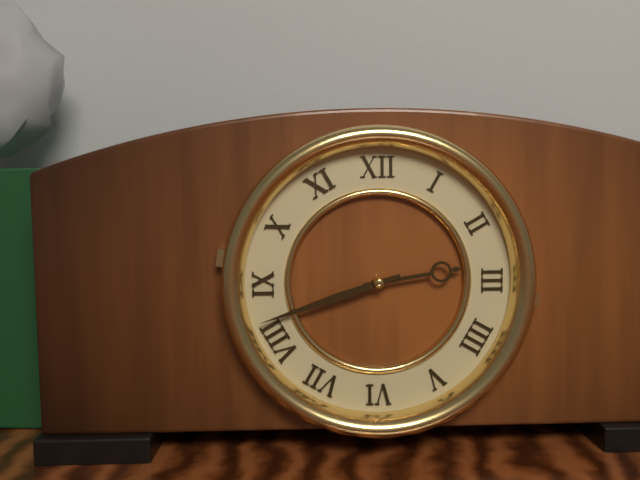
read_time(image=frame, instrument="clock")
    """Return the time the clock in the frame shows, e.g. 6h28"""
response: 2h42
